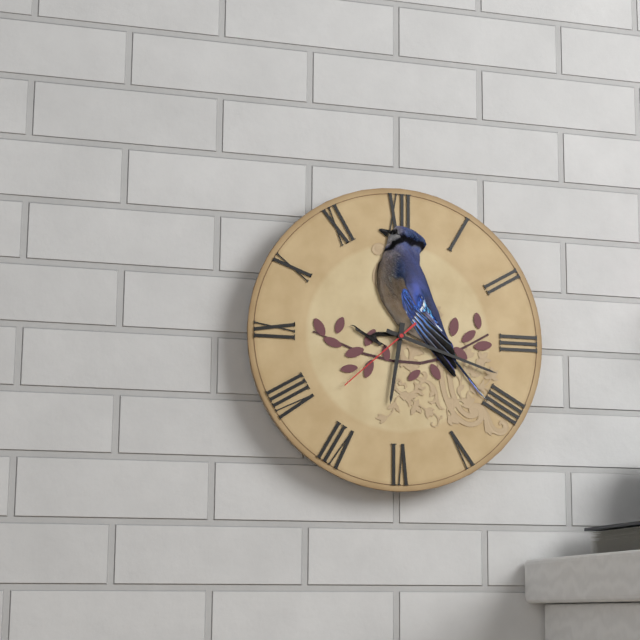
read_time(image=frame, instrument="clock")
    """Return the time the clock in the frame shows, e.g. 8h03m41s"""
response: 6h18m38s
